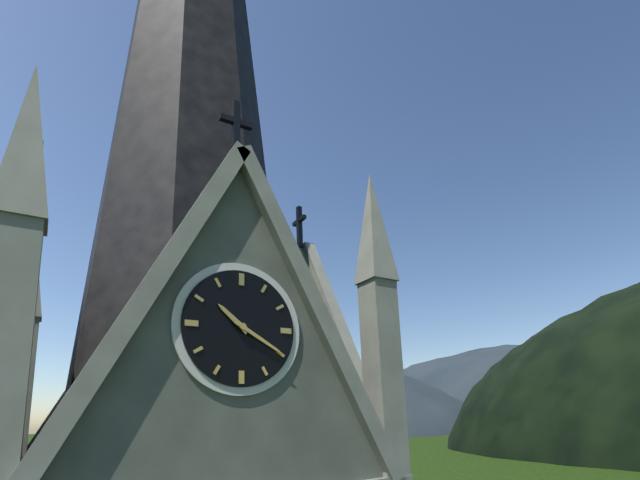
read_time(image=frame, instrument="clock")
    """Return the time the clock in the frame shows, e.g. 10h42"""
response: 10h20
